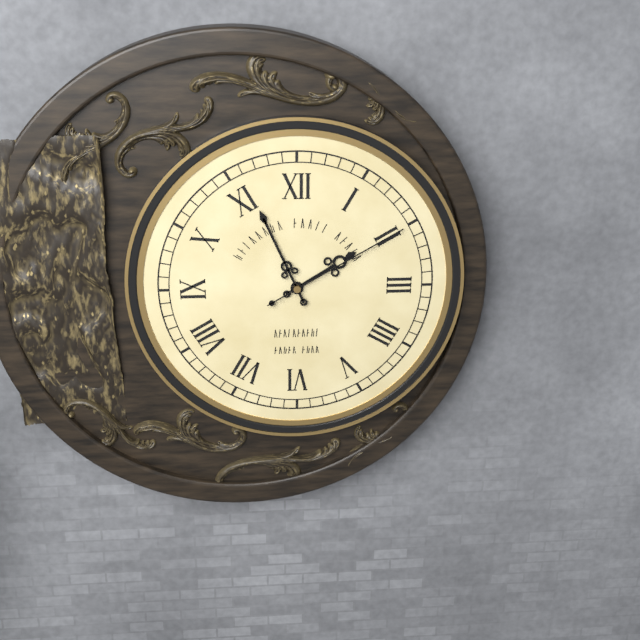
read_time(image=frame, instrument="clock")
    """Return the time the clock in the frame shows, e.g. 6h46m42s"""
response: 1h56m10s
